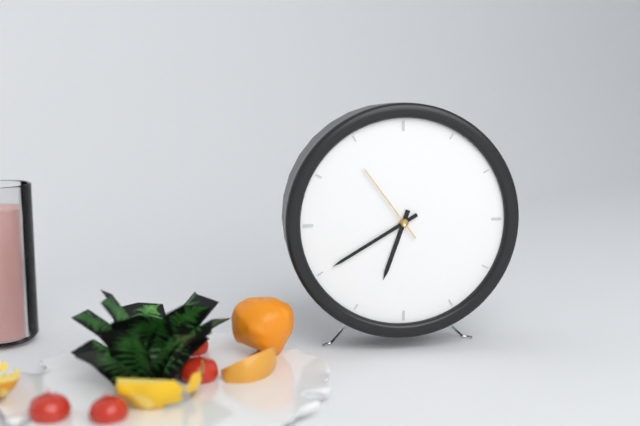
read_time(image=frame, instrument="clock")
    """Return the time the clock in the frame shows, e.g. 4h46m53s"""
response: 6h40m54s
